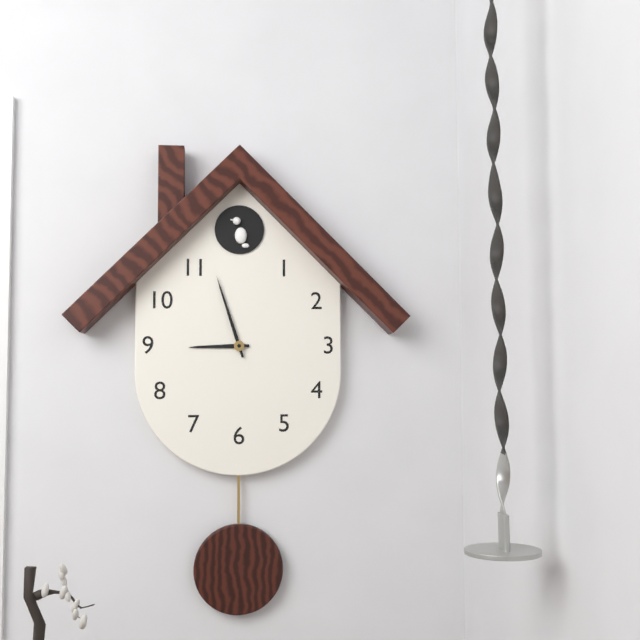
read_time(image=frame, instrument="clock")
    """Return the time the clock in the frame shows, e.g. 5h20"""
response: 8h57
